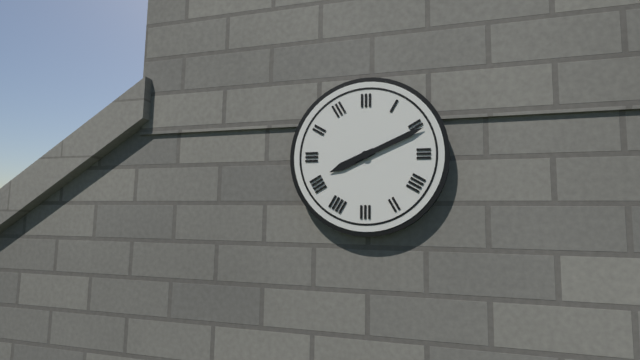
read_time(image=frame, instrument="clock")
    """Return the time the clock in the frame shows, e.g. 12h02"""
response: 8h11
